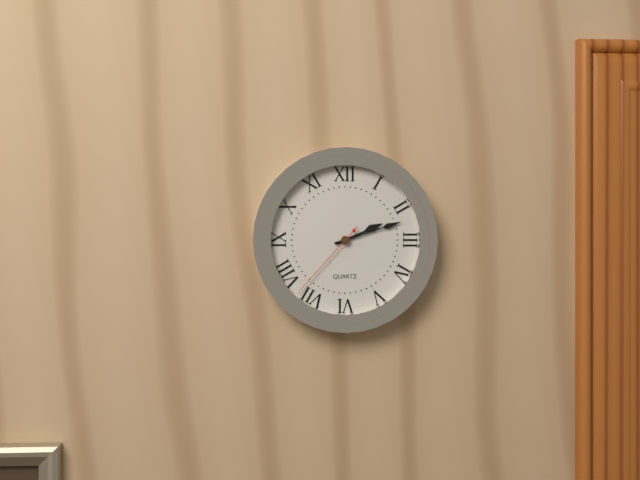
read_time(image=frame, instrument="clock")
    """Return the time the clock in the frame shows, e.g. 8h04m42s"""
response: 2h12m37s
